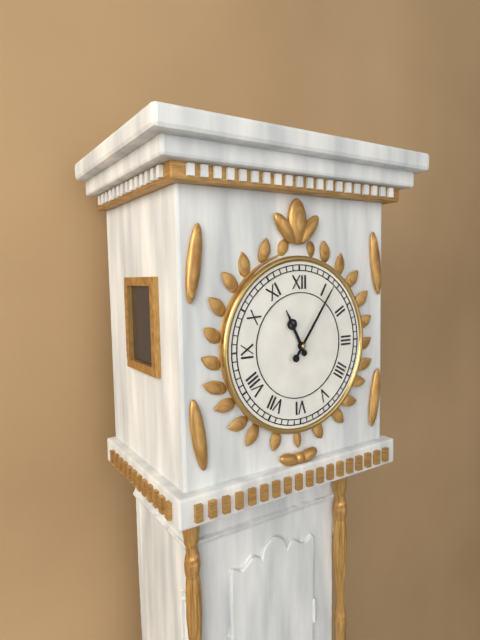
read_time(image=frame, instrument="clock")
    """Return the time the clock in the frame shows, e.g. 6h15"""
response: 11h06
